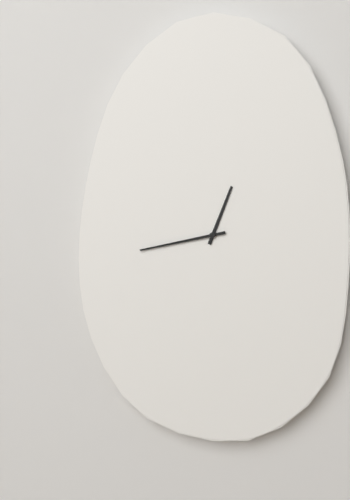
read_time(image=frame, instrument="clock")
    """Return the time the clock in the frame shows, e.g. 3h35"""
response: 12h43
